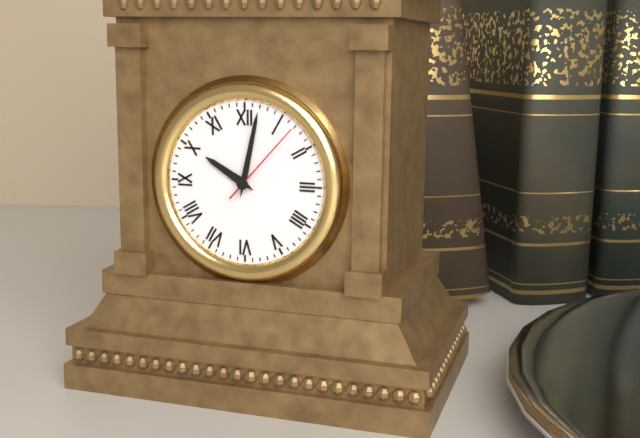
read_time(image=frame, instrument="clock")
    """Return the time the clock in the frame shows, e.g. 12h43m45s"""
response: 10h02m07s
